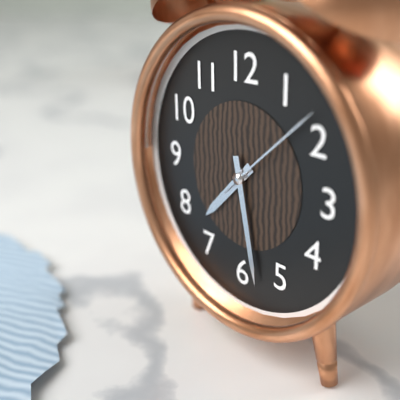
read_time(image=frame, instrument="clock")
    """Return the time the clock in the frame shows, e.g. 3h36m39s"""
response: 7h28m08s
